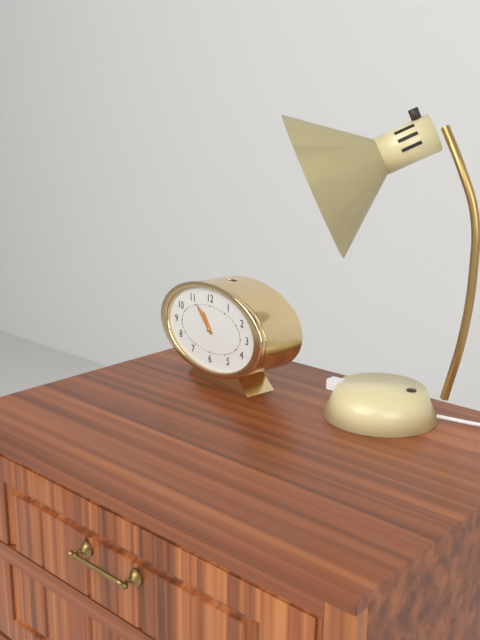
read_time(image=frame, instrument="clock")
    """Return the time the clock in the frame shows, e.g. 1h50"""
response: 10h53
